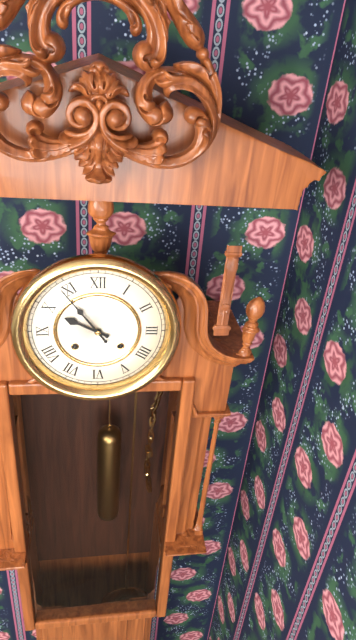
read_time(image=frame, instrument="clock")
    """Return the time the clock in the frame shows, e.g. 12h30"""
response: 9h54
